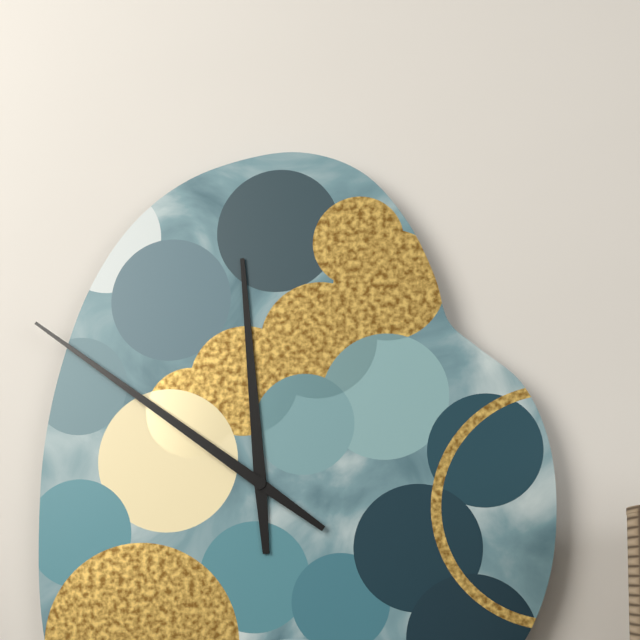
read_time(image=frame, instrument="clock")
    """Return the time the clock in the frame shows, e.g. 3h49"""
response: 11h51
